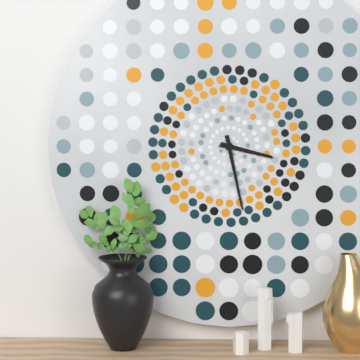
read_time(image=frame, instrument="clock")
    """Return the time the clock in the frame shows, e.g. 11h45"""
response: 3h28
